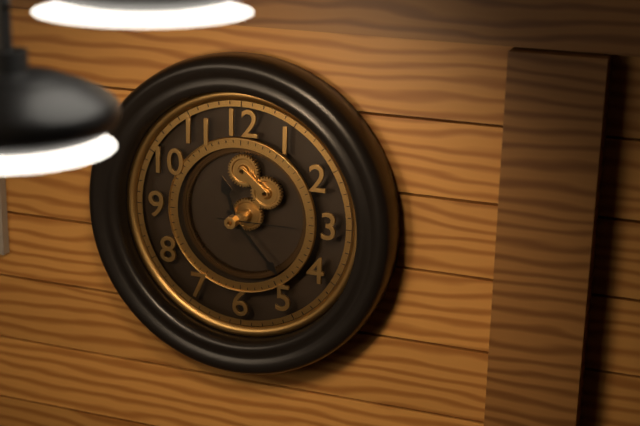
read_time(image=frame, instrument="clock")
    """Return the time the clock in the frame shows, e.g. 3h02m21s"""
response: 11h23m15s
